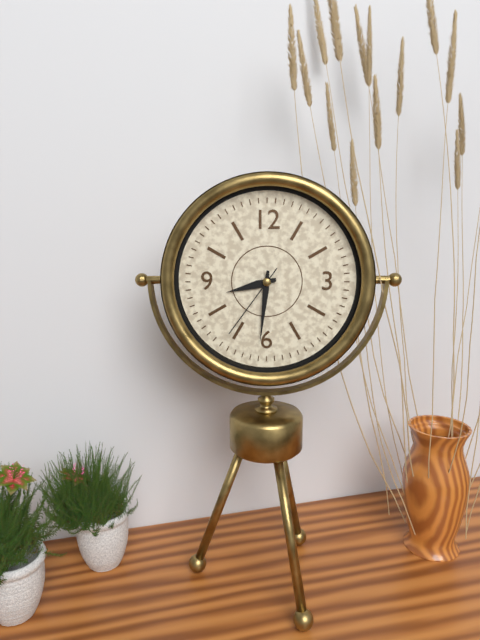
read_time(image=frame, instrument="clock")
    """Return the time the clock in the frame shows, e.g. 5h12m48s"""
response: 8h31m36s
